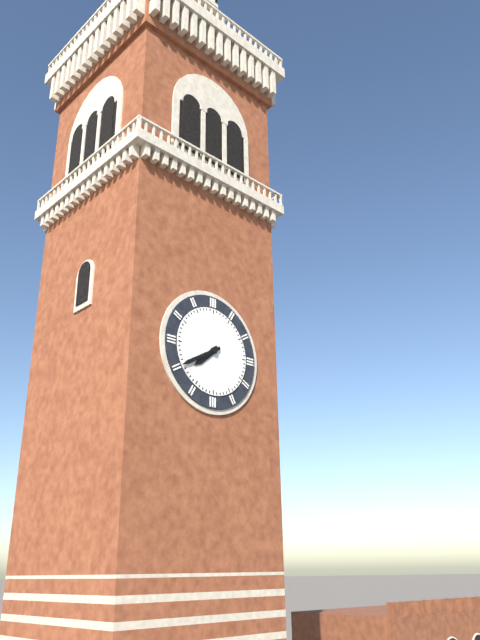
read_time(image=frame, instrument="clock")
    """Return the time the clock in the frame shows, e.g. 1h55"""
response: 7h40
